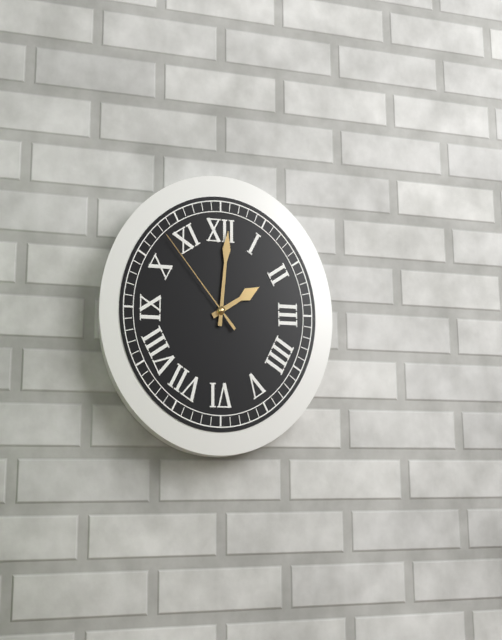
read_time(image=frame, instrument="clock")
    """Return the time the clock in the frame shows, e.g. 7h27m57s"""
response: 2h01m53s
